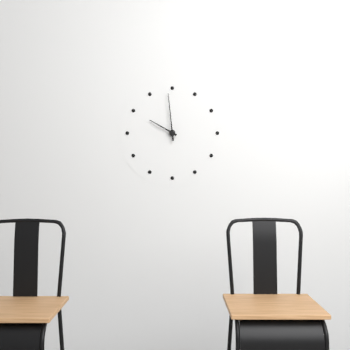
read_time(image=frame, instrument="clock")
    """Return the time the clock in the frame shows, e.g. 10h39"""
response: 9h59
